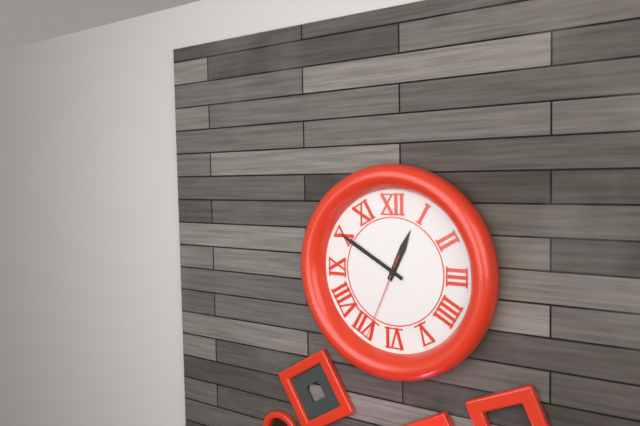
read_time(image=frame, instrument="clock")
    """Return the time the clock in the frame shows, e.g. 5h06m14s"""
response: 12h50m34s
